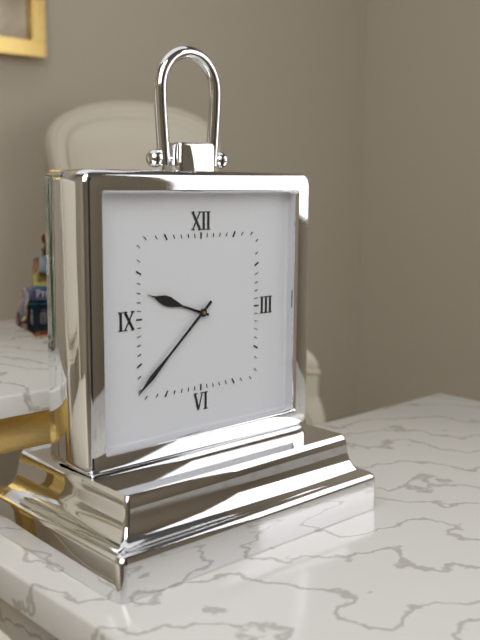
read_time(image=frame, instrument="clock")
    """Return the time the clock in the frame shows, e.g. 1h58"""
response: 9h38
